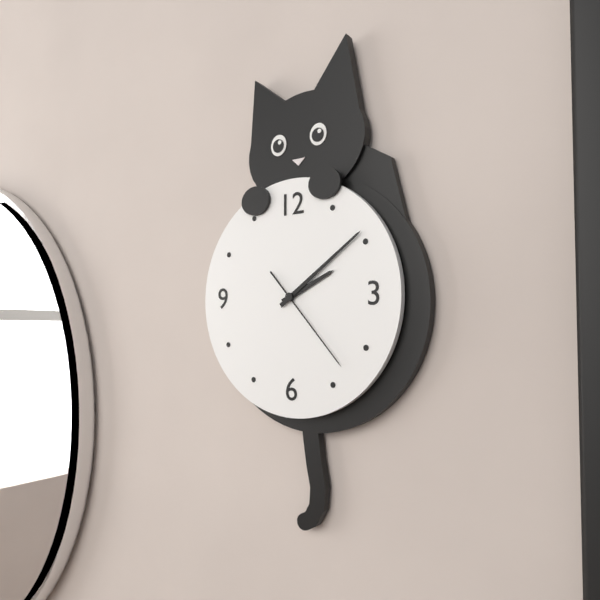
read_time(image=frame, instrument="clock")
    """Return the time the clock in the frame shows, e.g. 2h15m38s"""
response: 2h09m23s
